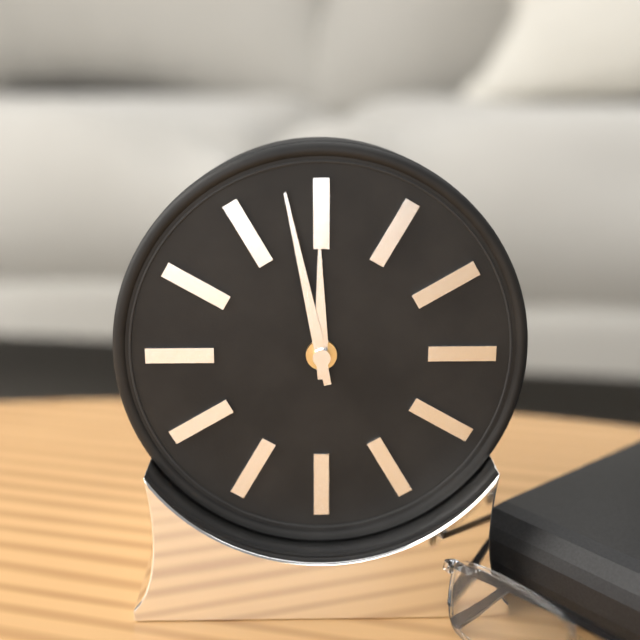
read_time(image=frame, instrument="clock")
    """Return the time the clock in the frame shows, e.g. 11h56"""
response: 11h58
